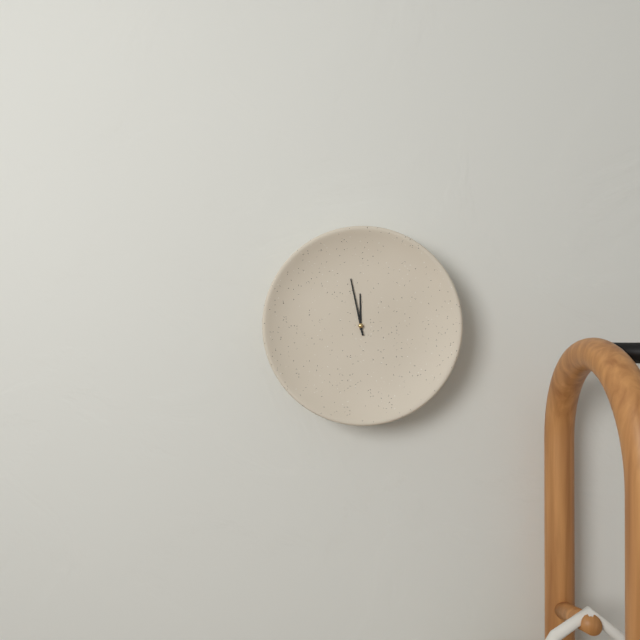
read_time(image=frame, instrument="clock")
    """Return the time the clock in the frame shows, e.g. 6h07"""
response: 11h58
